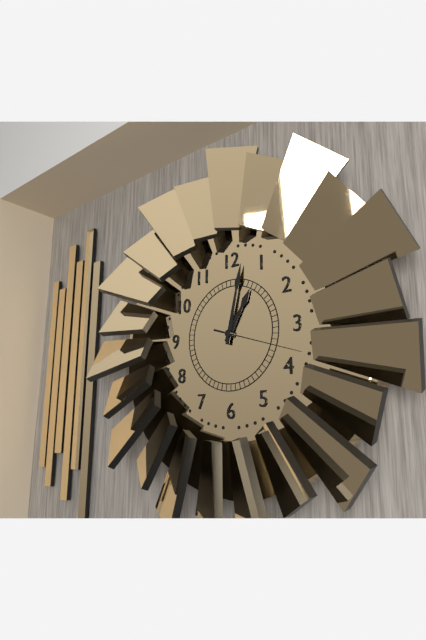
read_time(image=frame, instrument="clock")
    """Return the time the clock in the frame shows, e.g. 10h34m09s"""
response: 1h02m18s
